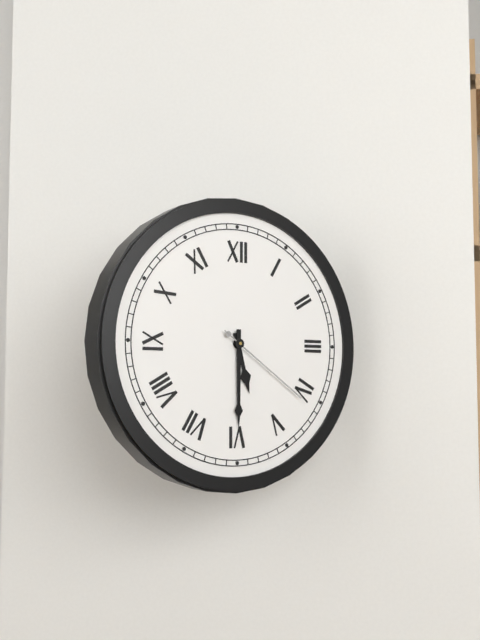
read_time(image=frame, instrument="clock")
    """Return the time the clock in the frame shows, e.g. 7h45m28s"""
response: 5h30m21s
